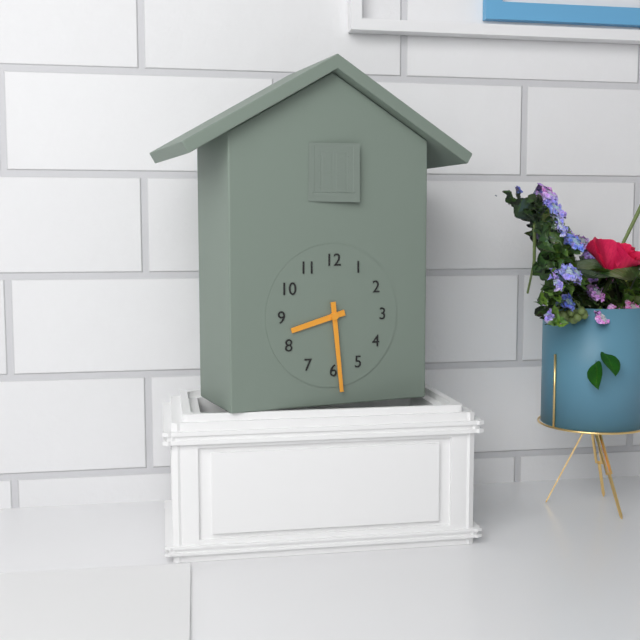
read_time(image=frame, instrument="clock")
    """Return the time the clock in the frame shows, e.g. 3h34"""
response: 8h29
